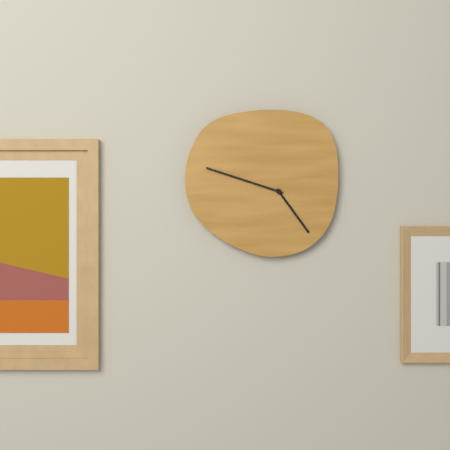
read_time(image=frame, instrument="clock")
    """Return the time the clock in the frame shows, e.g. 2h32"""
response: 4h48
